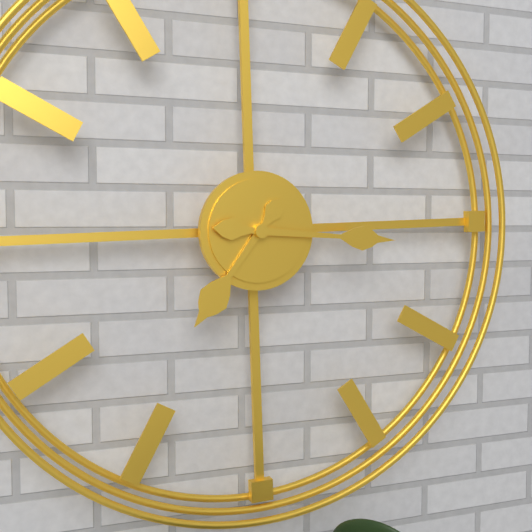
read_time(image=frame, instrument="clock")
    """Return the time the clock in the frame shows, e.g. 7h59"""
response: 7h16
